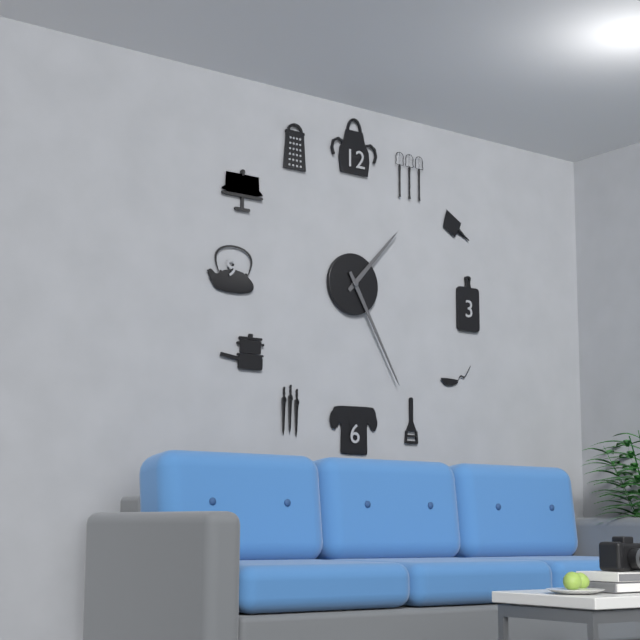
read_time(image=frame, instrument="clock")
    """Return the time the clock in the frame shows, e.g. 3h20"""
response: 1h25
